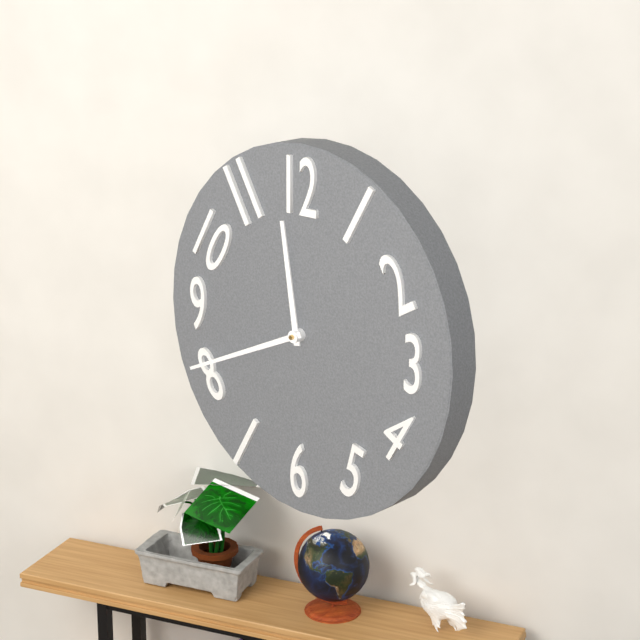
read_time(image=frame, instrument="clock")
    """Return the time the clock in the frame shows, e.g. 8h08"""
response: 11h41
